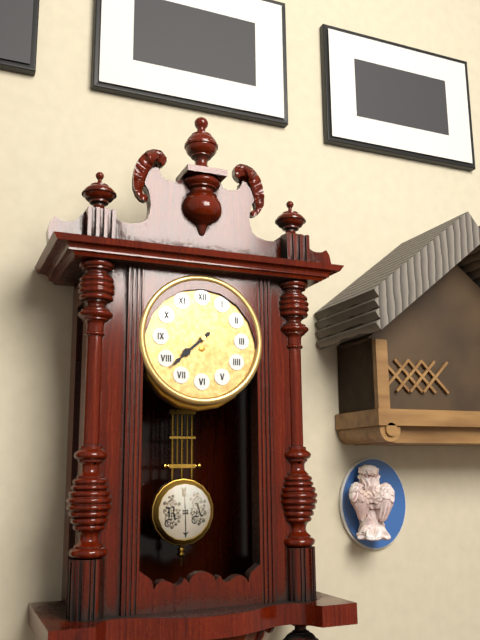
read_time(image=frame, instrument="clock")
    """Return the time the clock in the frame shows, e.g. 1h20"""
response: 7h38
